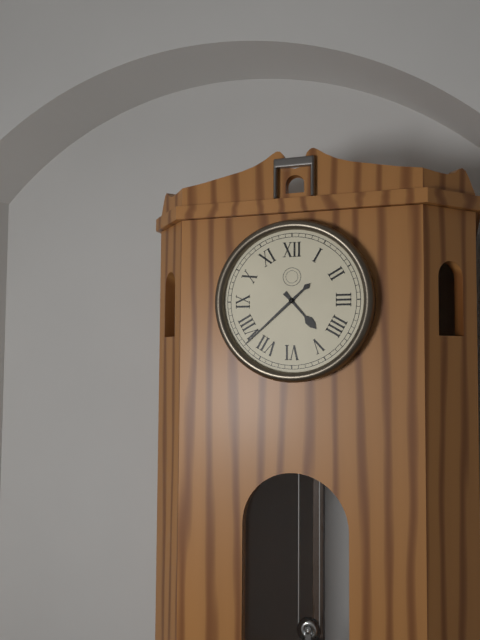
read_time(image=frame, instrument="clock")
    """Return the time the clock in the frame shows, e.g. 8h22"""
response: 4h38
